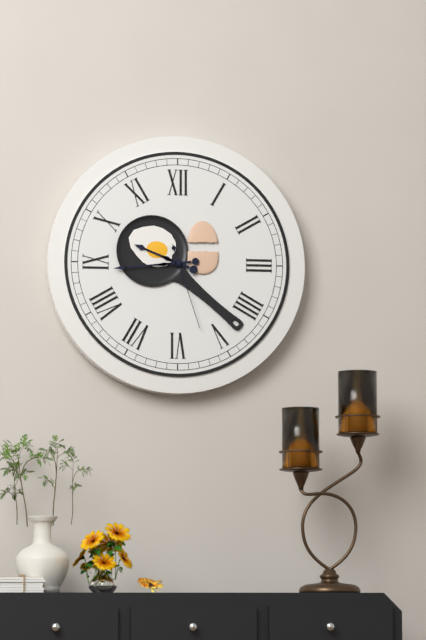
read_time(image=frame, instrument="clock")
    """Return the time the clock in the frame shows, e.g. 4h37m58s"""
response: 9h44m27s
